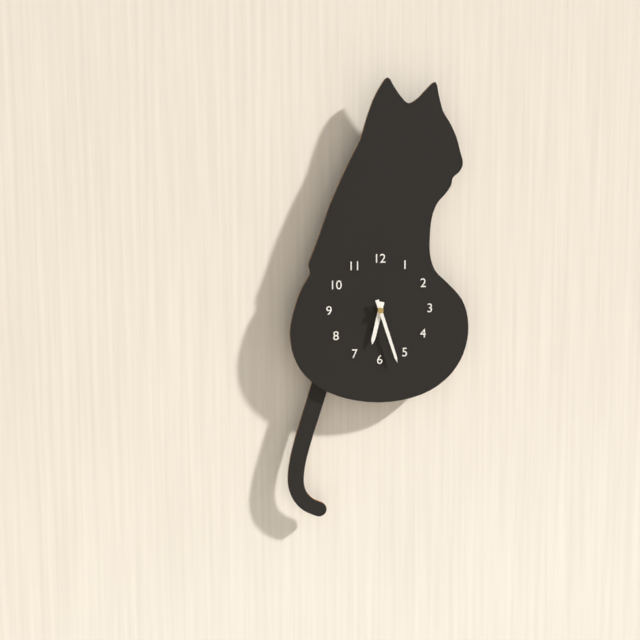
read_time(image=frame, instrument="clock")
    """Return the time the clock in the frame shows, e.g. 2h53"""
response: 6h27
